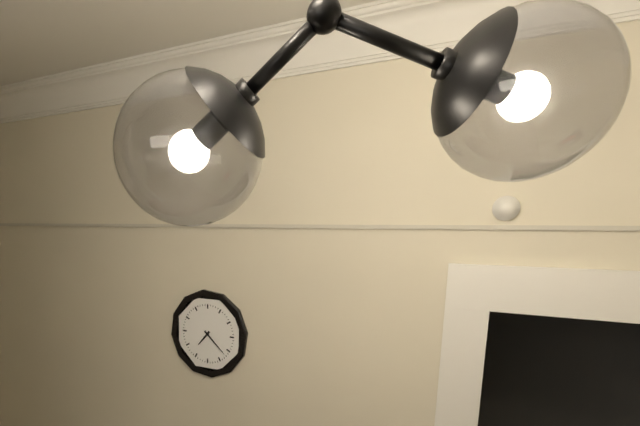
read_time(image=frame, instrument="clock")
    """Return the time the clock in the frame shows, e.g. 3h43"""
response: 7h22
